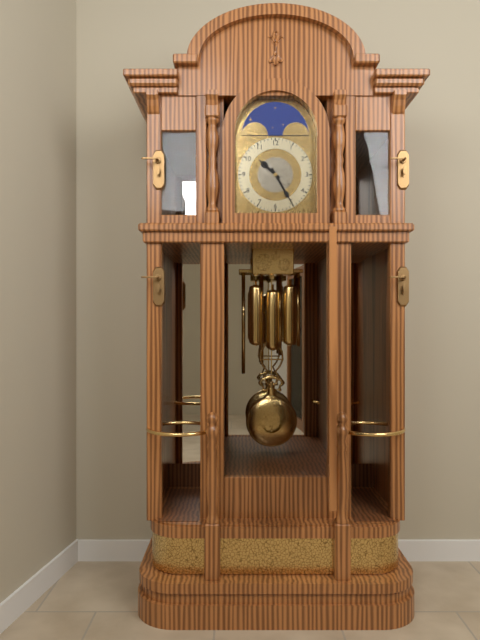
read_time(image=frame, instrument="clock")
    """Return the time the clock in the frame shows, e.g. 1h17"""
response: 10h25
